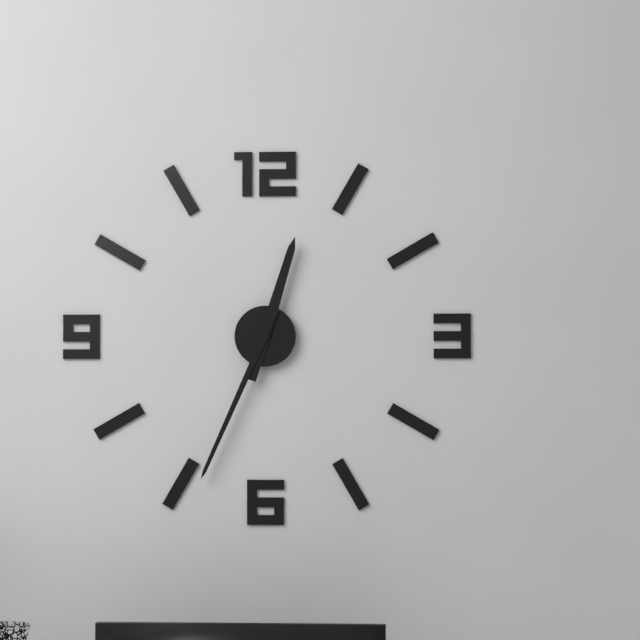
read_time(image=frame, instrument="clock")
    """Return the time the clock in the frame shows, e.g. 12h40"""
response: 12h34
